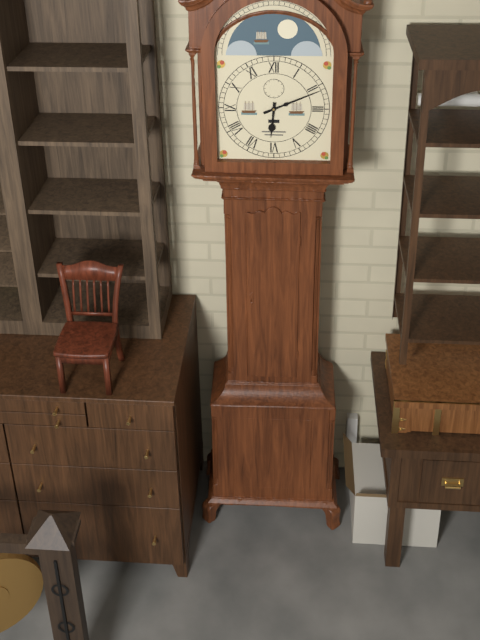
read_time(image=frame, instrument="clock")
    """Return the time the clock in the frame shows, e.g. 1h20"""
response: 6h11
